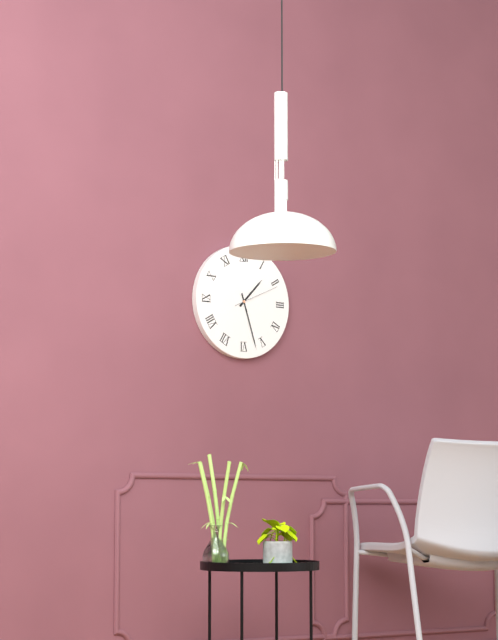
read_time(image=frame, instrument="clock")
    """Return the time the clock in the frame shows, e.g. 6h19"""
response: 1h27
